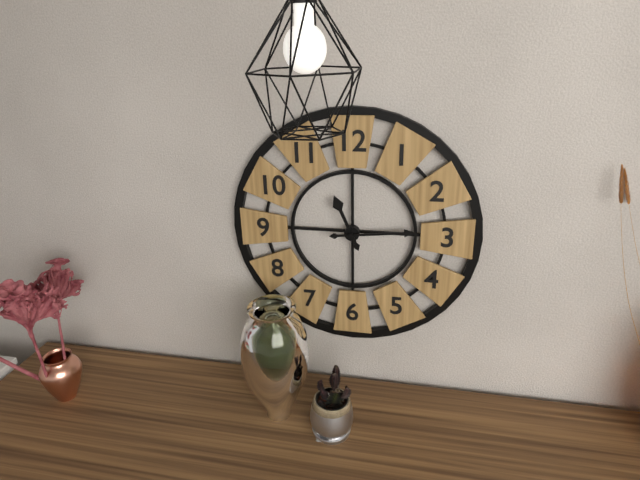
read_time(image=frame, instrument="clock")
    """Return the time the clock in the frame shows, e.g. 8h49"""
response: 11h14
